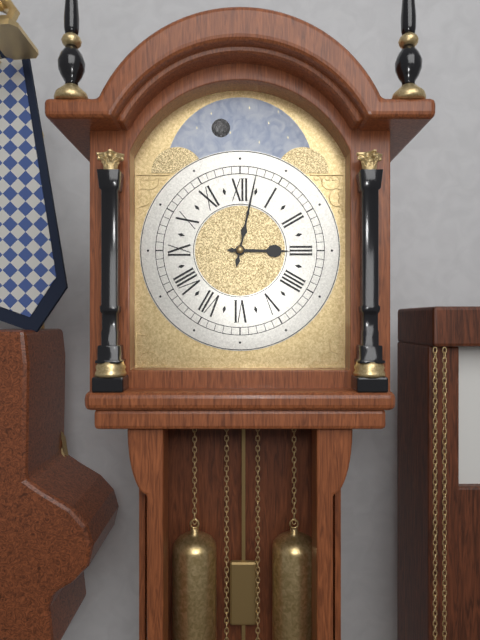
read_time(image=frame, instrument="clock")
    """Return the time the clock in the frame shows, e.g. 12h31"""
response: 3h02
